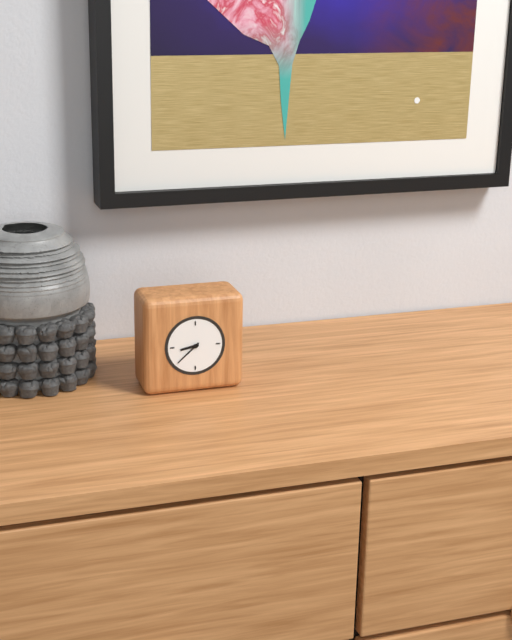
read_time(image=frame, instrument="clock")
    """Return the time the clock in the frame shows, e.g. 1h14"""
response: 8h38
